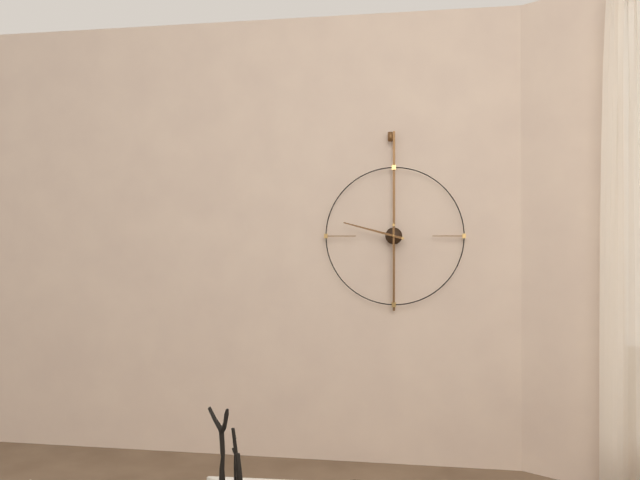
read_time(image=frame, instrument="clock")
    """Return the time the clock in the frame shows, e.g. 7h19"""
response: 9h30
